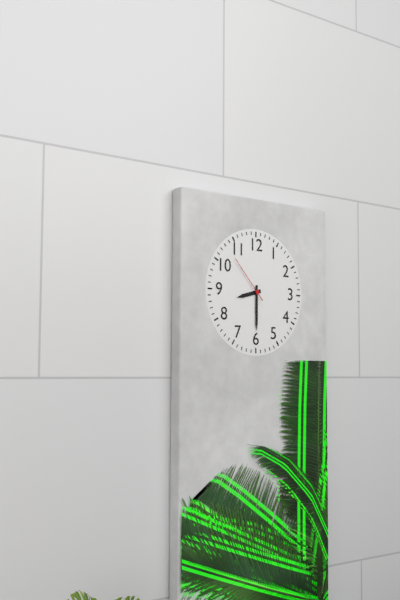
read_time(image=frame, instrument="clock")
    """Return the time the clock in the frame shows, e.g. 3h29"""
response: 8h30
